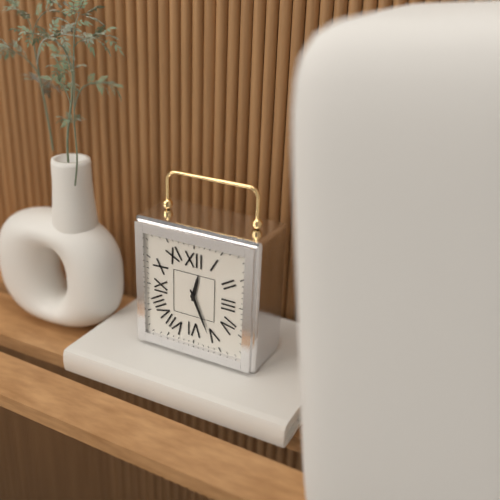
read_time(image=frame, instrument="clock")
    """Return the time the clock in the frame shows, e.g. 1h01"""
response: 12h26
